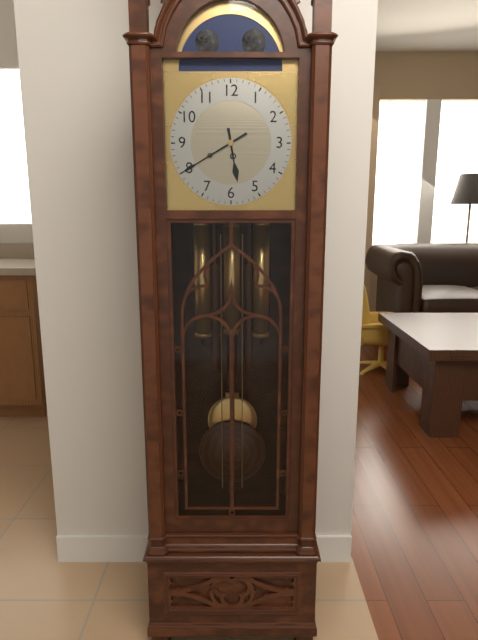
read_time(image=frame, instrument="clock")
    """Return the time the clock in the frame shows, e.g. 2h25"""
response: 5h40
